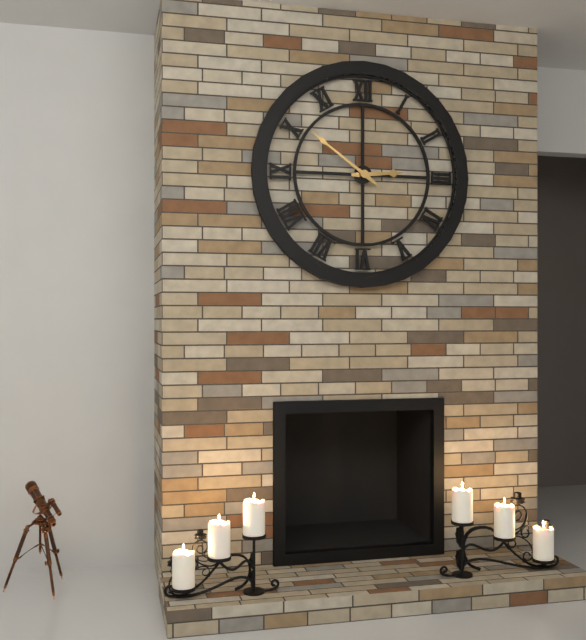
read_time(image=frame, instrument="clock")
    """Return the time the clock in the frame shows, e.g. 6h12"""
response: 2h51
